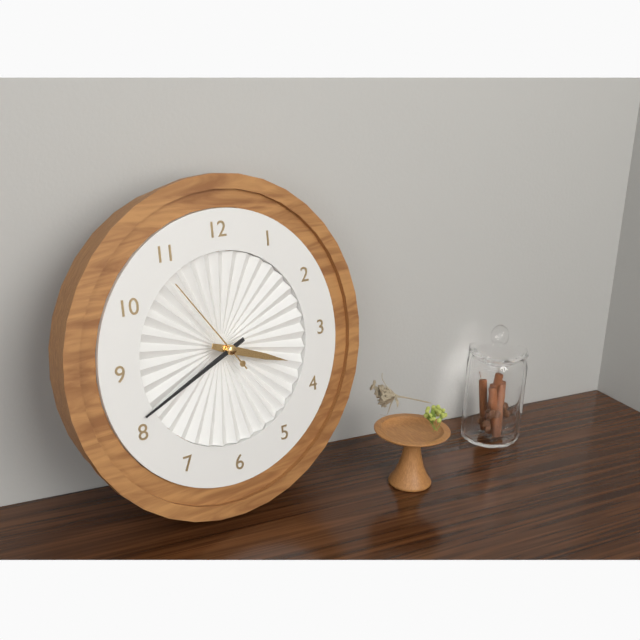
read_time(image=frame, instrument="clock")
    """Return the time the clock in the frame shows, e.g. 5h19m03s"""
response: 3h41m54s
